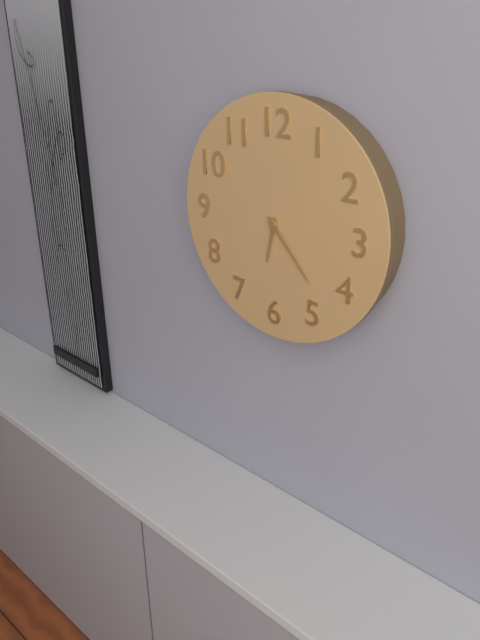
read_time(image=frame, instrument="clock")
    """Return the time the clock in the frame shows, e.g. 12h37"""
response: 6h23
